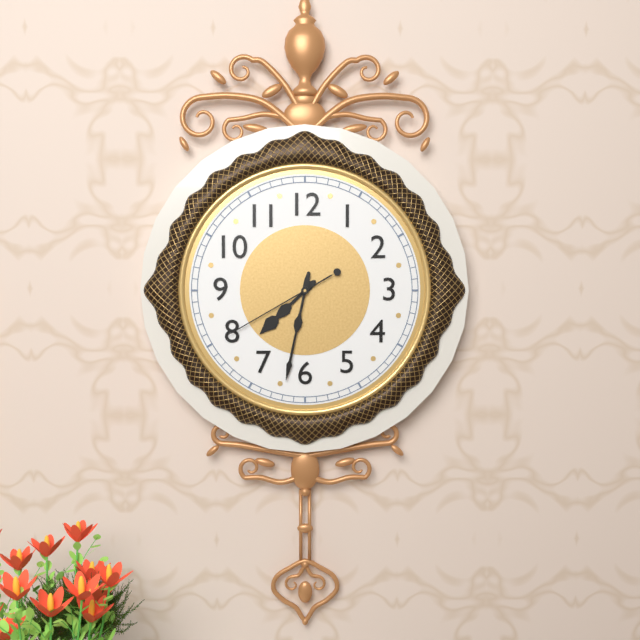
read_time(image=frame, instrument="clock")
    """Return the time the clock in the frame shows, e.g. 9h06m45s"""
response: 7h32m40s
